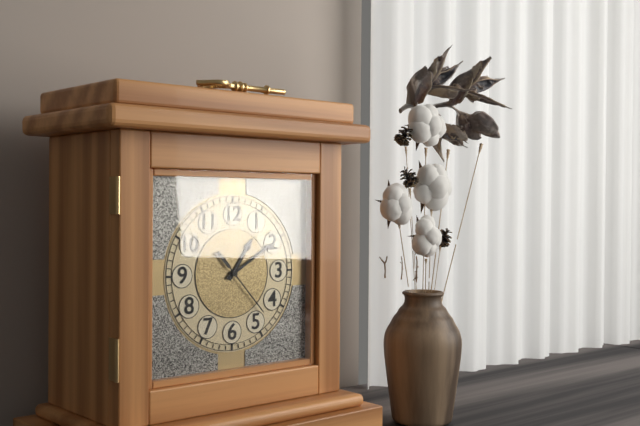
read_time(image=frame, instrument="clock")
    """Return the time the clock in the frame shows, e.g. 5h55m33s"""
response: 1h10m23s
